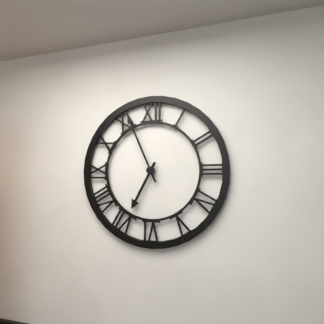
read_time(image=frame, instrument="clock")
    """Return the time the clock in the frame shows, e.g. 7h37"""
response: 6h56
